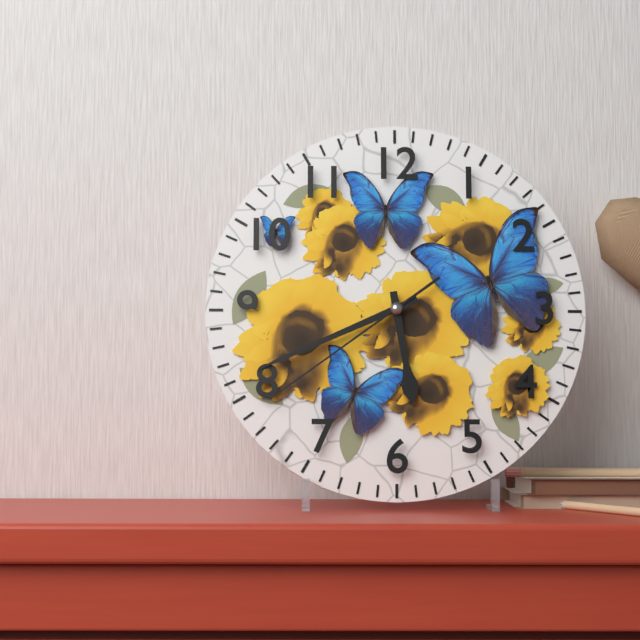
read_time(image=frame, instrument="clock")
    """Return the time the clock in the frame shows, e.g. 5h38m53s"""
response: 5h41m39s
